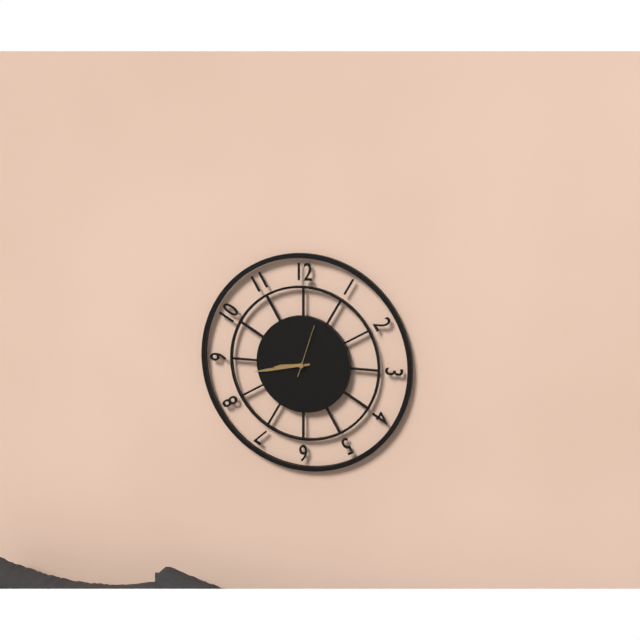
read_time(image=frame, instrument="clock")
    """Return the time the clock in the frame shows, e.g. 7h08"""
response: 8h43
